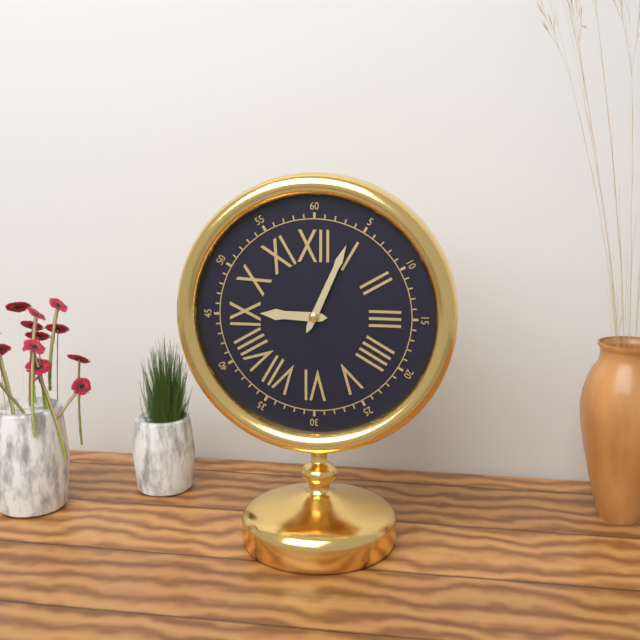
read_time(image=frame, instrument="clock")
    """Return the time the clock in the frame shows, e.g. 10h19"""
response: 9h04
